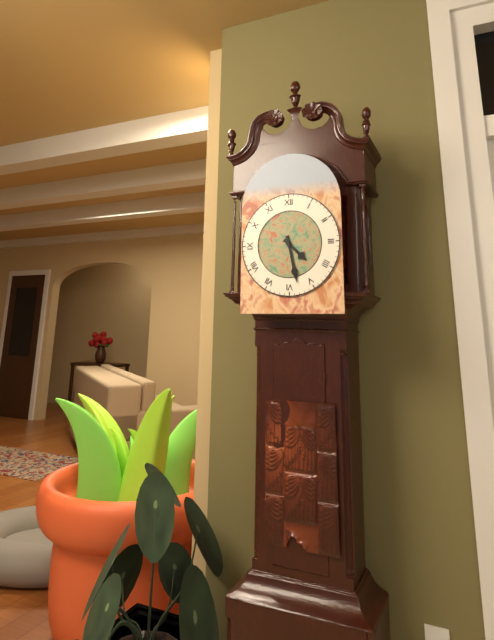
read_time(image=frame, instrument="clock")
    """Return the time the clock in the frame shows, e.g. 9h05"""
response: 4h28
